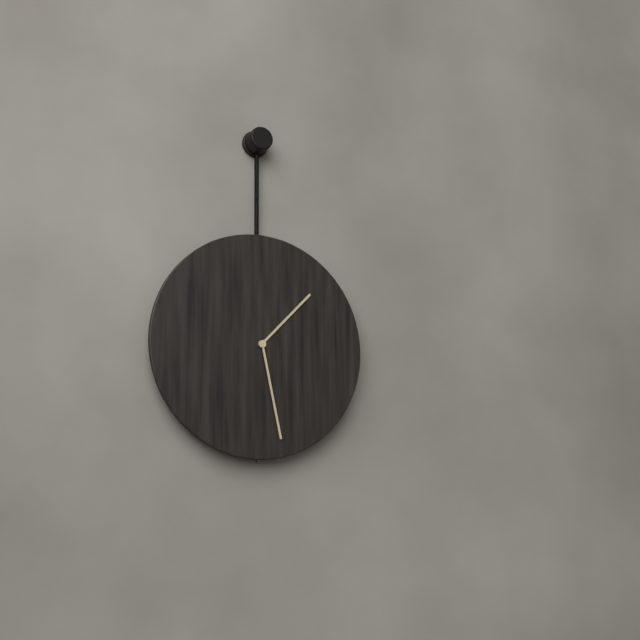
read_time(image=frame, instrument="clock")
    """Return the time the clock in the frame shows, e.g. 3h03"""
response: 1h28
